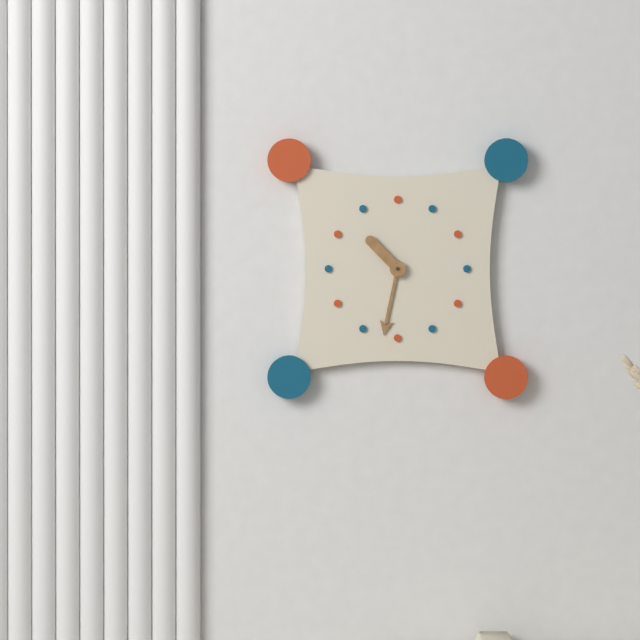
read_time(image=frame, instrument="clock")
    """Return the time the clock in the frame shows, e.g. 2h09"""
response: 10h32
